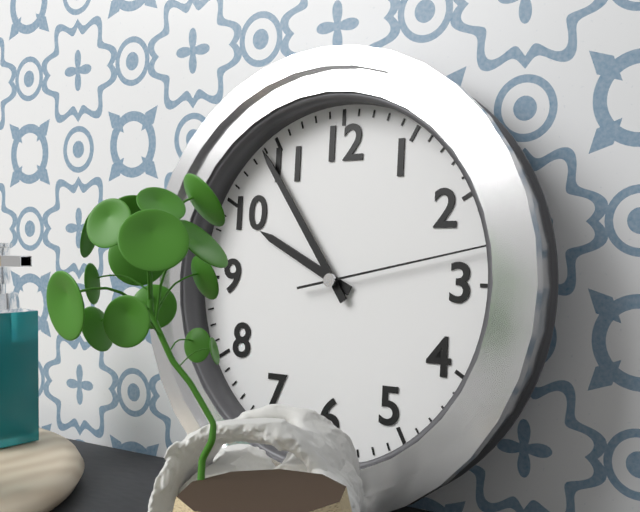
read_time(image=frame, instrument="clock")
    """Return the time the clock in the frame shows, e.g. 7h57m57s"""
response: 9h54m13s
